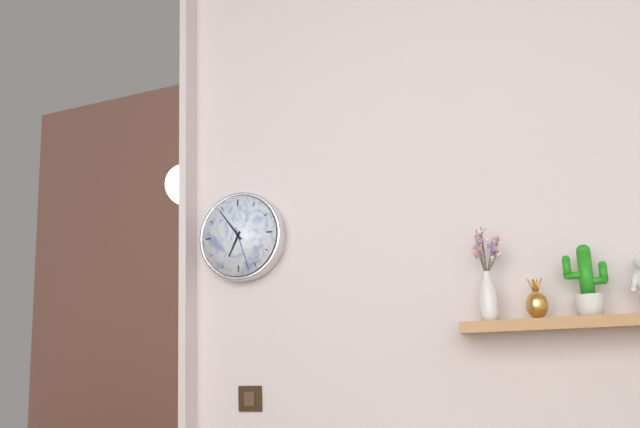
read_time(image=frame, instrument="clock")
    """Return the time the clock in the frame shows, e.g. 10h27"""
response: 6h54
